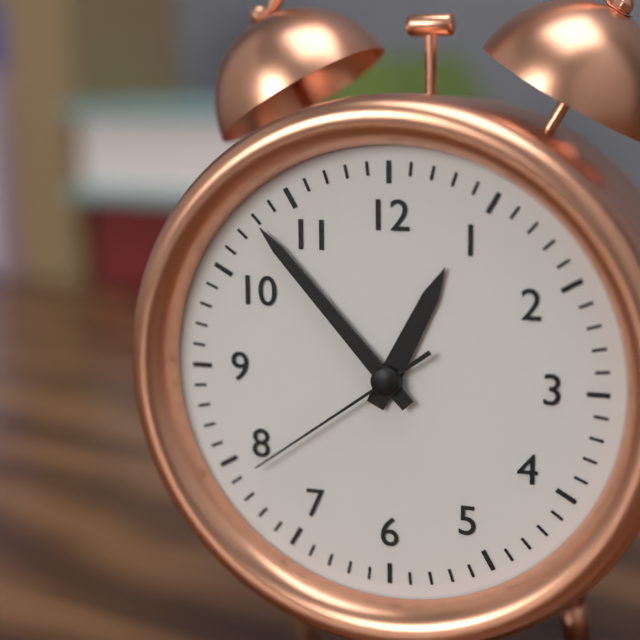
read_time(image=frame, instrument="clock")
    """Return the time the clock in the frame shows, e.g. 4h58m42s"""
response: 12h53m39s
